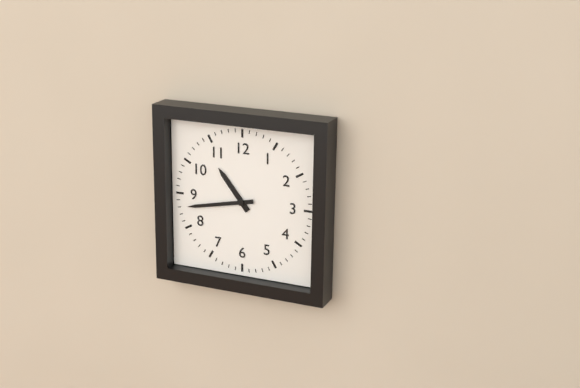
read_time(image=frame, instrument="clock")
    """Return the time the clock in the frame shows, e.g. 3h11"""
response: 10h43
